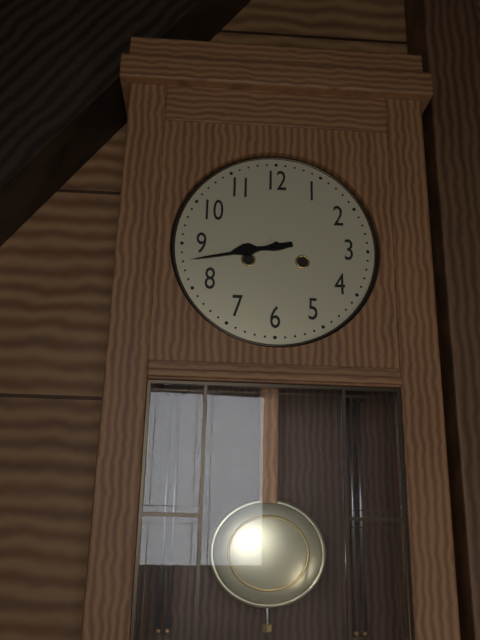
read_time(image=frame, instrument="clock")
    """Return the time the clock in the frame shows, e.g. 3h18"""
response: 8h43
